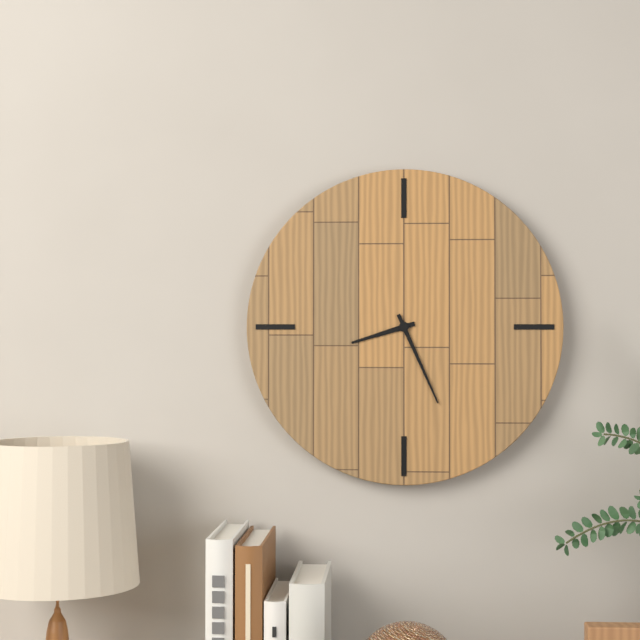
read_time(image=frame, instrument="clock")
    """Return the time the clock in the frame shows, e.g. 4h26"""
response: 8h26
